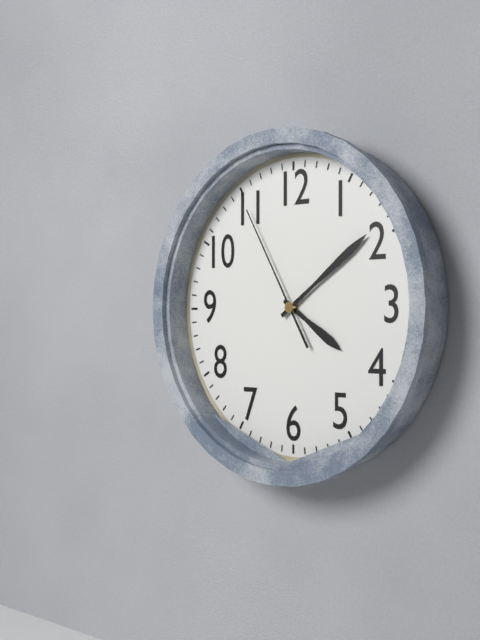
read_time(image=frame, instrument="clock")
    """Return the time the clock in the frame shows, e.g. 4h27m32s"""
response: 4h09m55s
